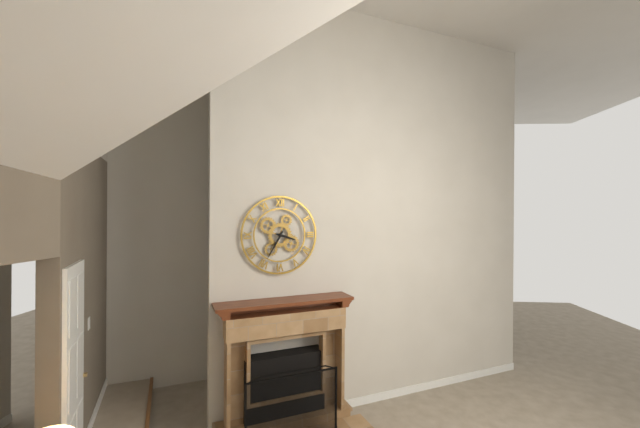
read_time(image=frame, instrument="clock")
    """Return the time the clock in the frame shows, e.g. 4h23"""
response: 3h35
